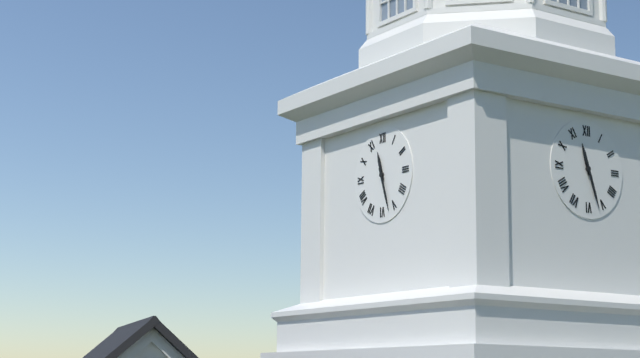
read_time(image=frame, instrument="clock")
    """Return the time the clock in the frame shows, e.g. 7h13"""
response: 11h27
